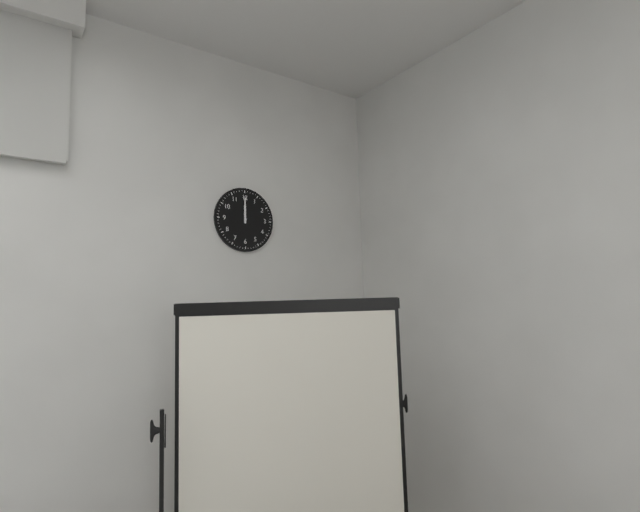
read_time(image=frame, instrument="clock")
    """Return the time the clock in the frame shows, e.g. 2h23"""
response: 12h00
